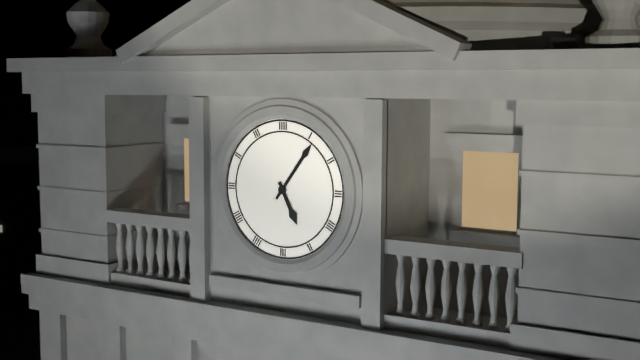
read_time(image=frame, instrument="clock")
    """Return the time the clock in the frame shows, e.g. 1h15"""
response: 5h06
